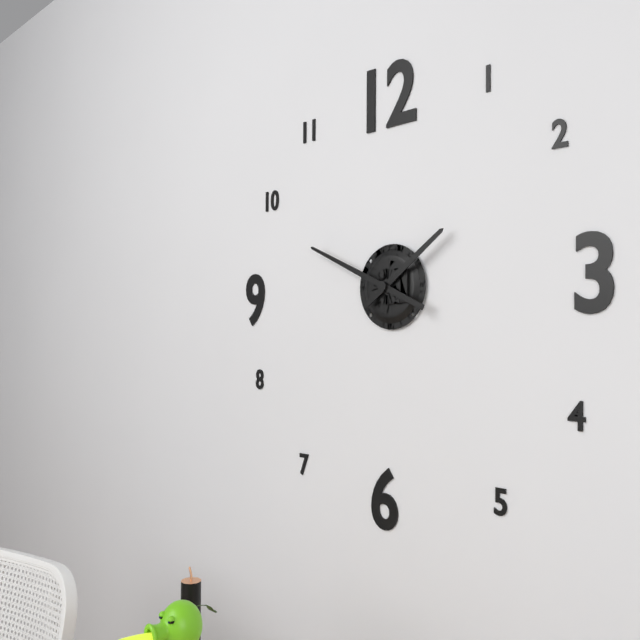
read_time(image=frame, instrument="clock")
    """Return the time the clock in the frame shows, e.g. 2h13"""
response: 1h49
